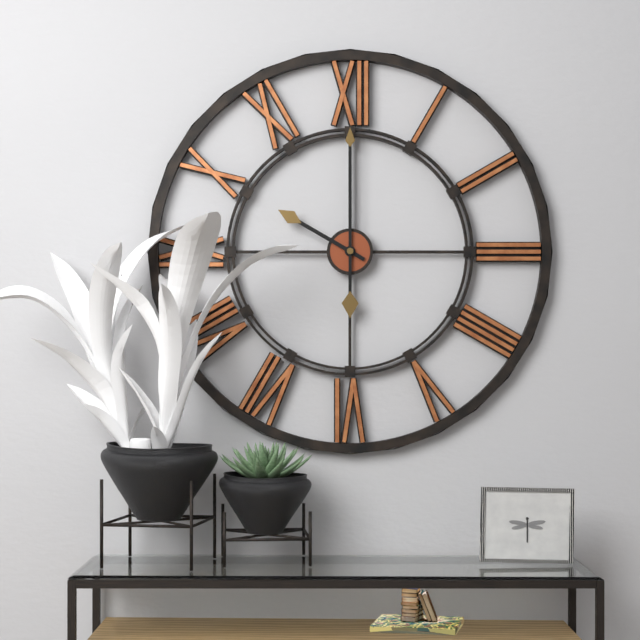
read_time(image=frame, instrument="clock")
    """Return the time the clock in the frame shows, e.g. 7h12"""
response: 10h00
